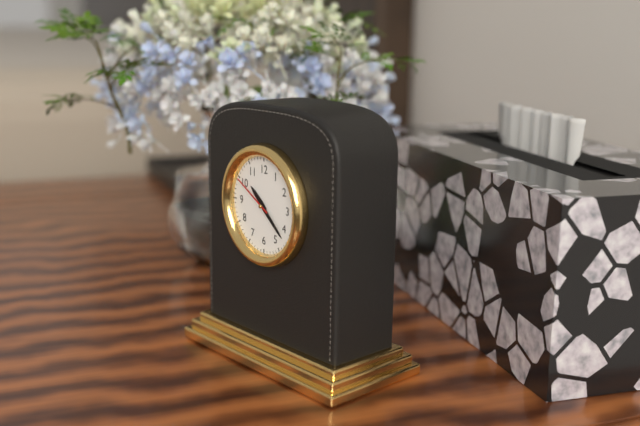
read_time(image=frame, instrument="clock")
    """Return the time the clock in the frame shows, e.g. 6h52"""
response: 10h22
